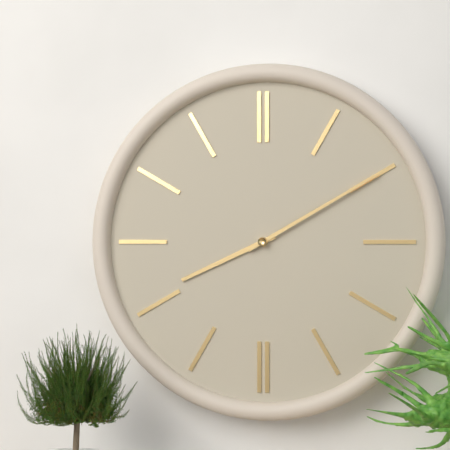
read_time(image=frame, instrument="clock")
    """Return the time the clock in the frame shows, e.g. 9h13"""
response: 8h10
